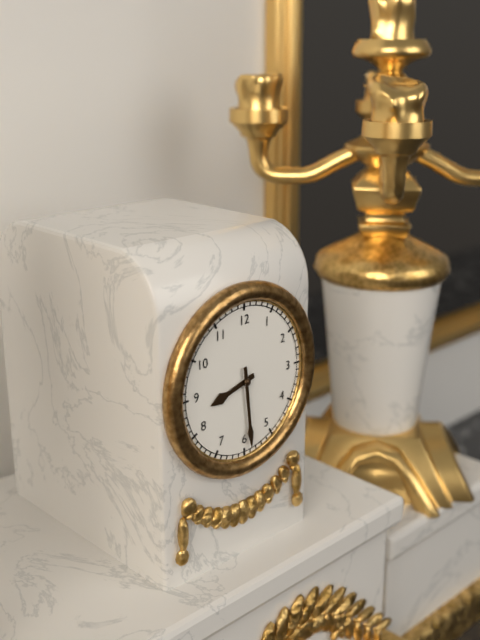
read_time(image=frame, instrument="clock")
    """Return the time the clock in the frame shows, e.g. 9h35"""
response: 8h29
